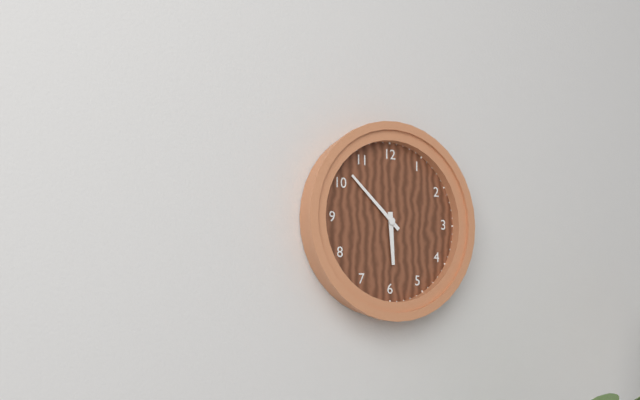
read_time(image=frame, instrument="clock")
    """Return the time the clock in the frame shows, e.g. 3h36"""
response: 5h52
